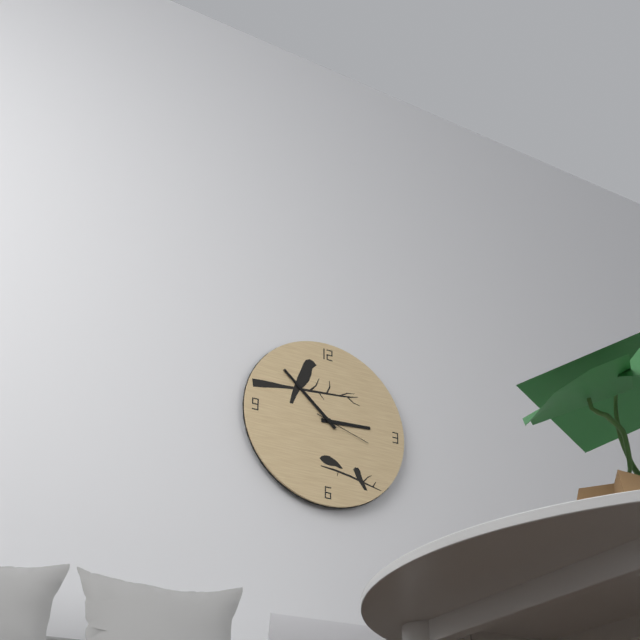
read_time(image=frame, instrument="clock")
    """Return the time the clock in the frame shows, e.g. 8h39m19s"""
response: 2h52m18s
